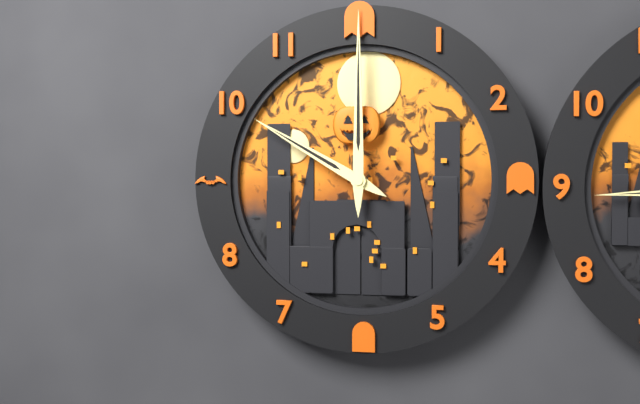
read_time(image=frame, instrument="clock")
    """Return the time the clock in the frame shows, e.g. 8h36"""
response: 10h00
